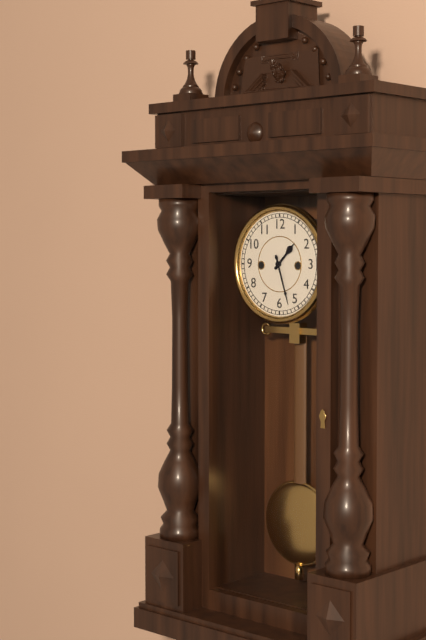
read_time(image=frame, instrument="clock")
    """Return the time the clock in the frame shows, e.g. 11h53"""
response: 1h27
